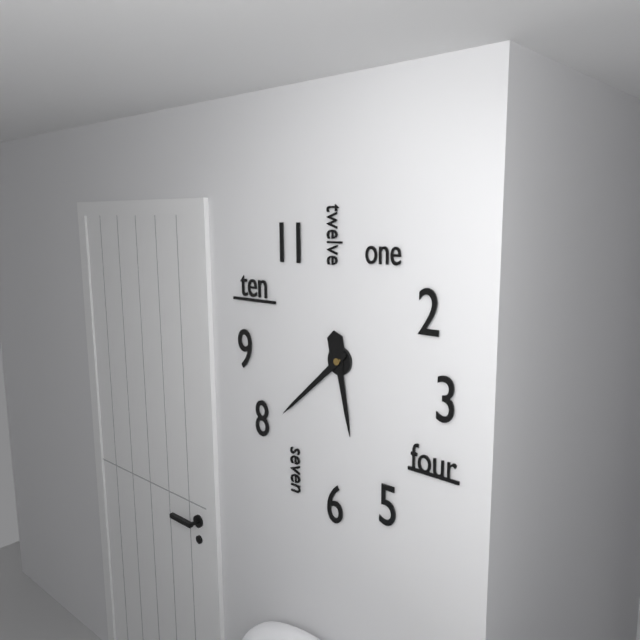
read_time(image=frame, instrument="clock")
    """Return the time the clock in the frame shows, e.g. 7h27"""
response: 5h38
